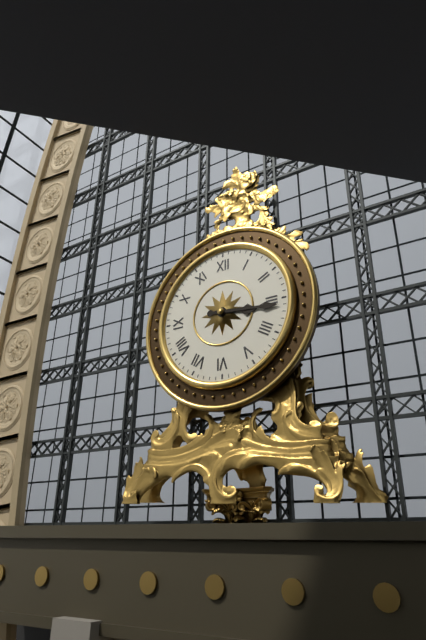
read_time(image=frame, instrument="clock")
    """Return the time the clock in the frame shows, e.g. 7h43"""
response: 3h16
